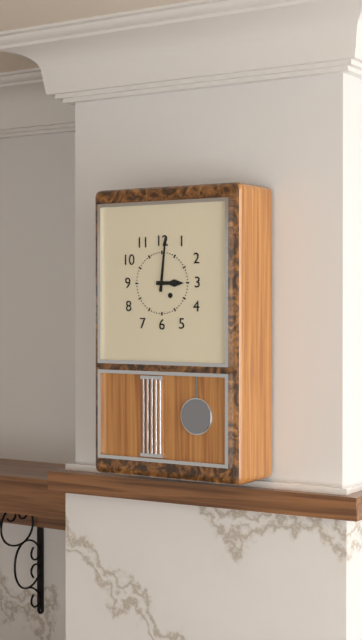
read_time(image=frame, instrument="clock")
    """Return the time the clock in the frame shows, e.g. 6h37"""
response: 3h01
